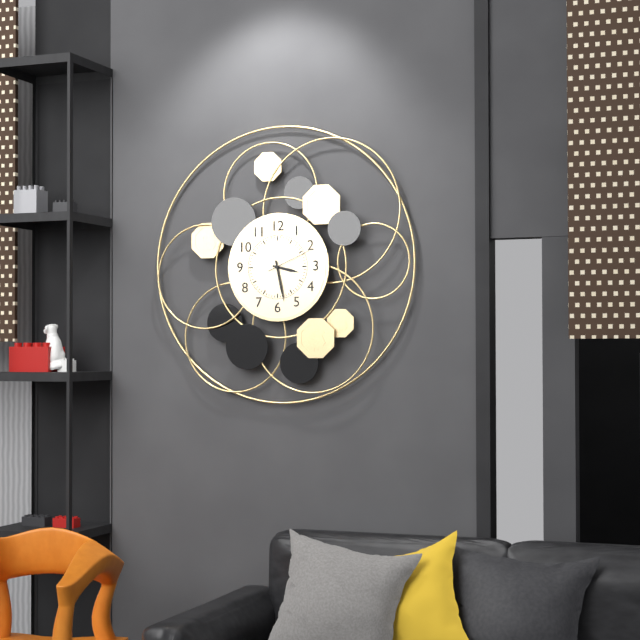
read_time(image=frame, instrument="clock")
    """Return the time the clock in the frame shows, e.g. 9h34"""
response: 3h28
